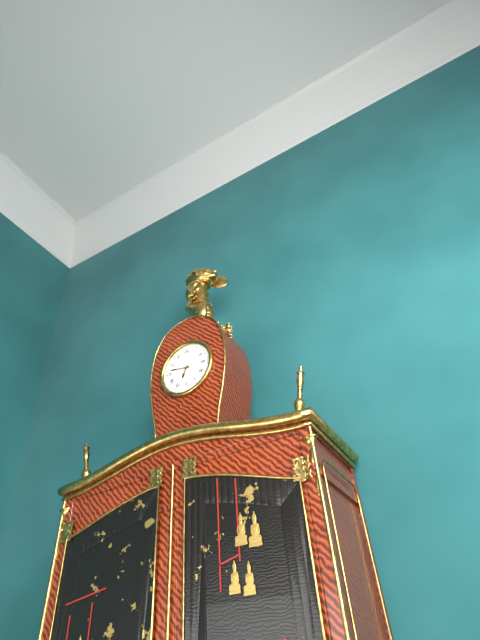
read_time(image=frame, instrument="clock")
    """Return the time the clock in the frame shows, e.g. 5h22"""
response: 6h47
